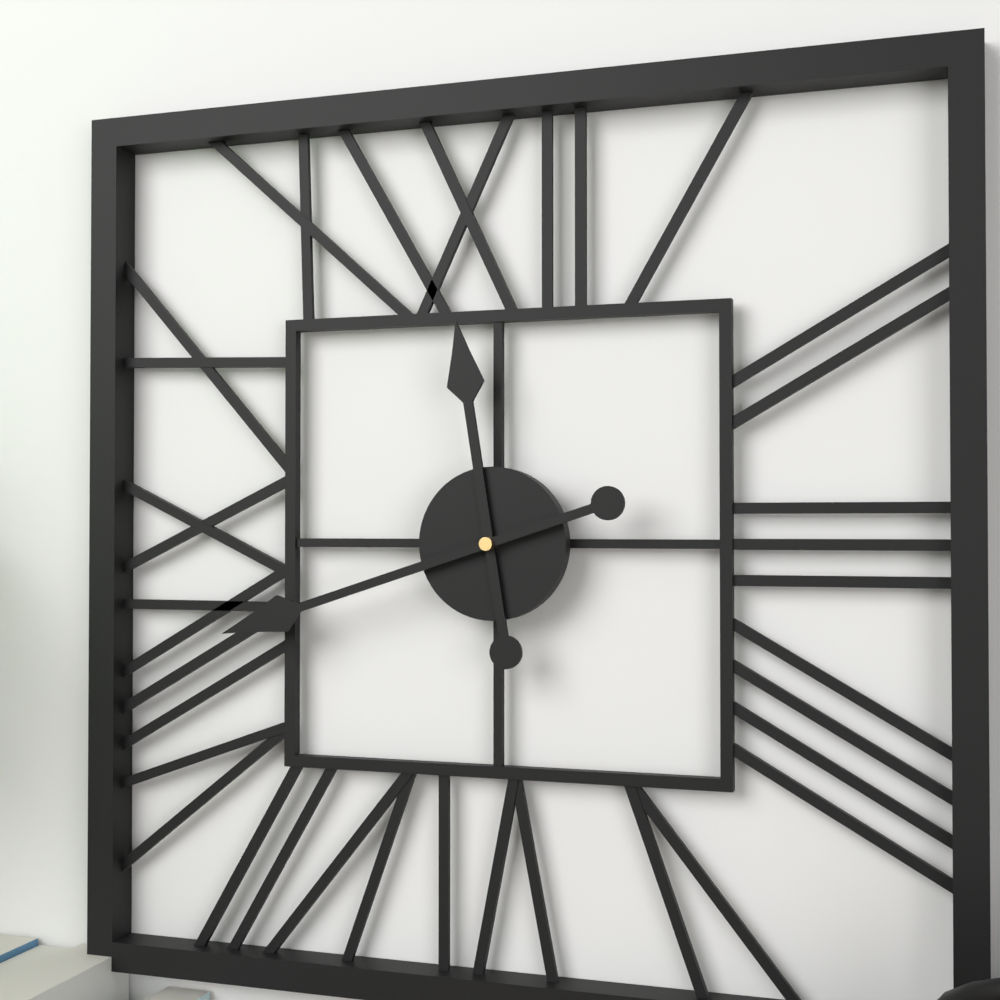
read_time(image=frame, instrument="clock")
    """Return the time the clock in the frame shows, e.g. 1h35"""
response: 11h42
